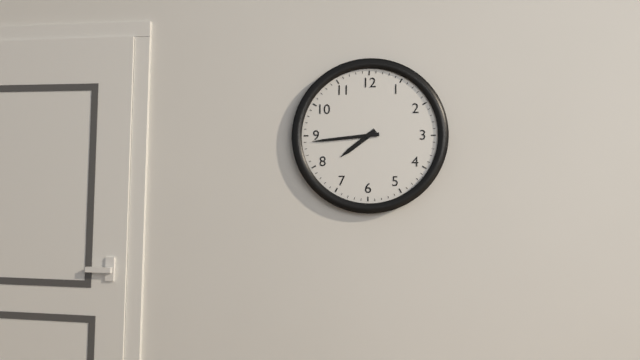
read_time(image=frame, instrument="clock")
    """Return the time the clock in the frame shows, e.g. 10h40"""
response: 7h44
